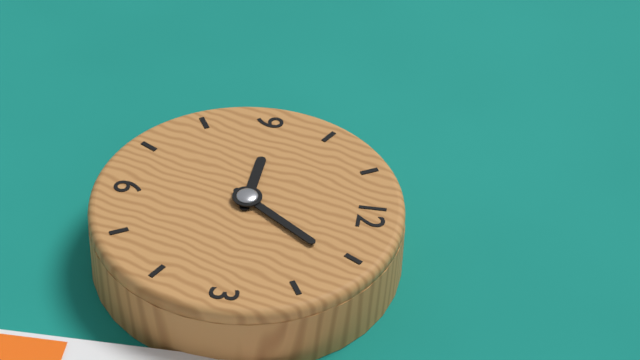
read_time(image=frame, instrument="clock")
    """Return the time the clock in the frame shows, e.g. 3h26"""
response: 9h06
